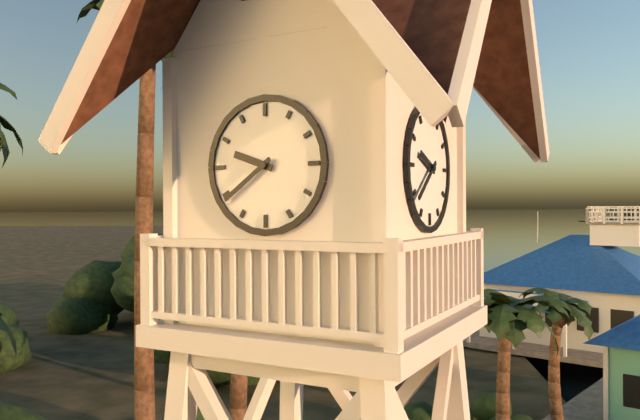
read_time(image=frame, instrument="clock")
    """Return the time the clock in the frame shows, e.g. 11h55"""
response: 9h39
